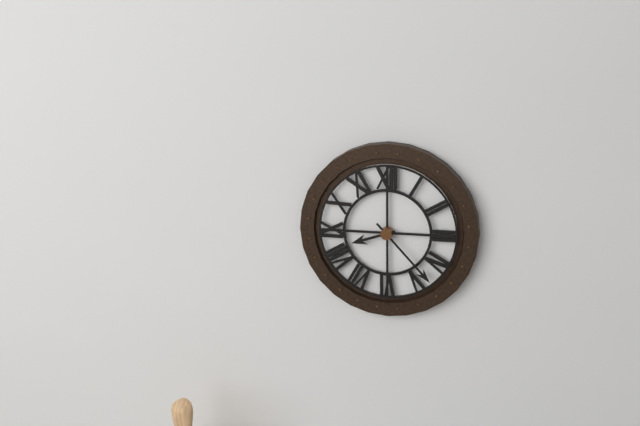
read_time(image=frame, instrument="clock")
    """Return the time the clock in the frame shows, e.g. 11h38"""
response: 8h23
